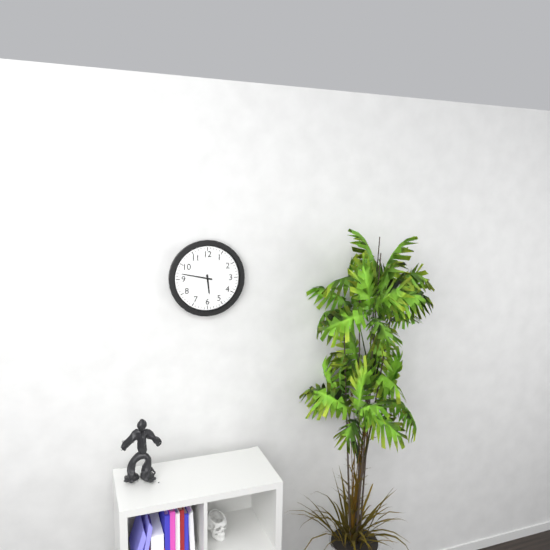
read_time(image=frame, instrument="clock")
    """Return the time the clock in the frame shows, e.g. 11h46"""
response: 5h47
